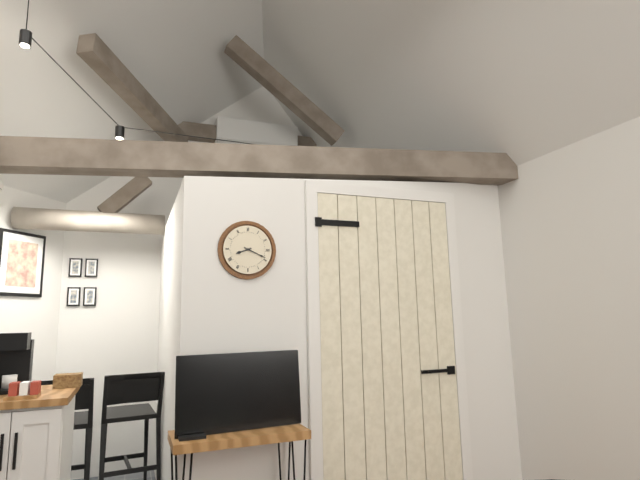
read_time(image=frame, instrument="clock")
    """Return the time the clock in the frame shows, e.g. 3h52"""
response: 8h19
